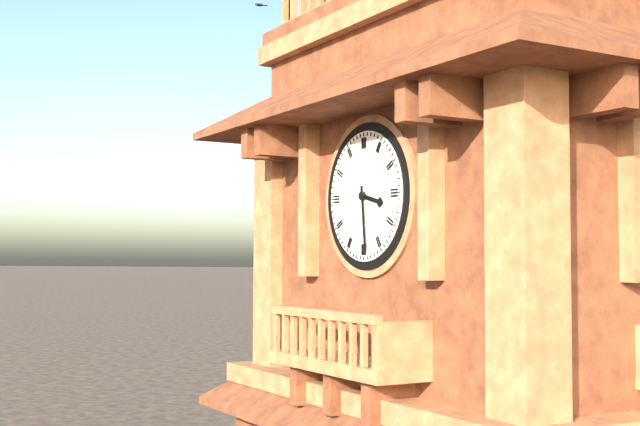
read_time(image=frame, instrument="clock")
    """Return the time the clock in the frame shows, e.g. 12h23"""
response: 3h29
